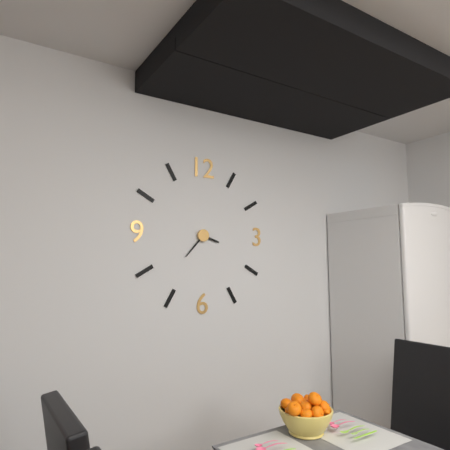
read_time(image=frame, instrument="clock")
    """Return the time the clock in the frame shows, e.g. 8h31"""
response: 3h37
